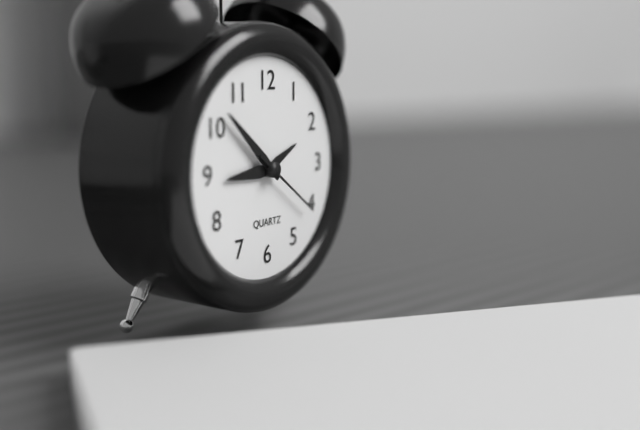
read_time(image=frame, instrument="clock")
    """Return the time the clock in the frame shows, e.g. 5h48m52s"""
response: 8h52m21s
